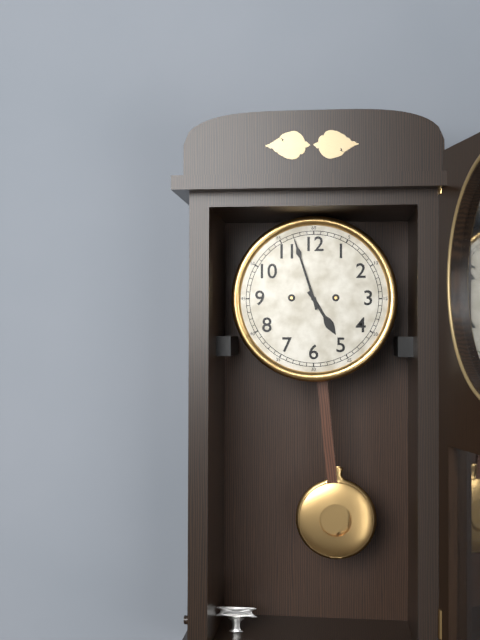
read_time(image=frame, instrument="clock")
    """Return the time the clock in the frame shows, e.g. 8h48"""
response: 4h57
